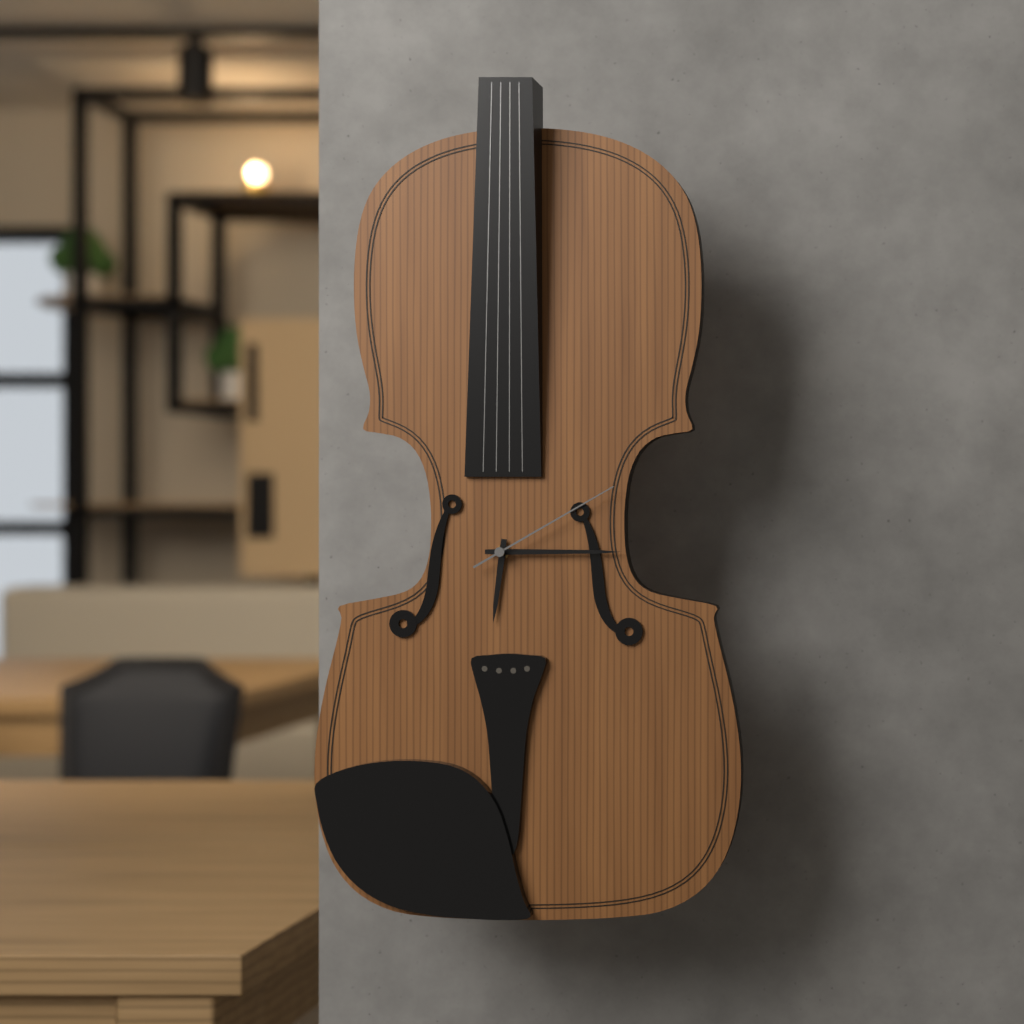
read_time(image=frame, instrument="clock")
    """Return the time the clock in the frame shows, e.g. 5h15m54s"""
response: 6h15m10s
